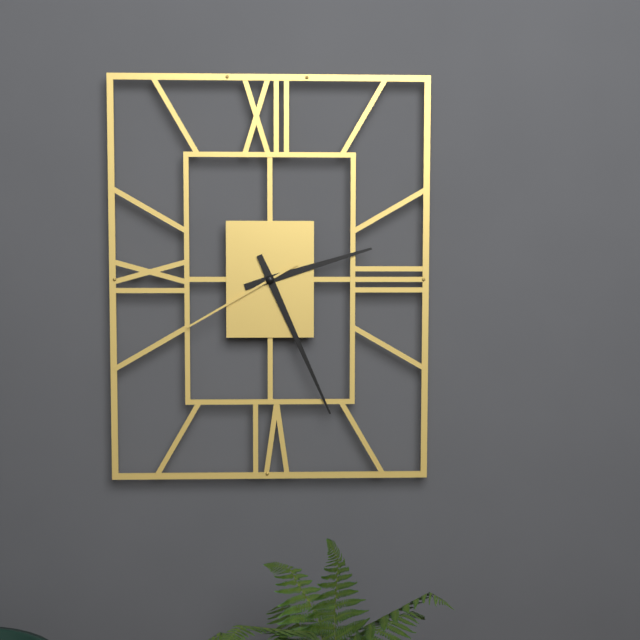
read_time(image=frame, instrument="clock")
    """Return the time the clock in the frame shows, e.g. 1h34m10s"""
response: 2h26m40s
